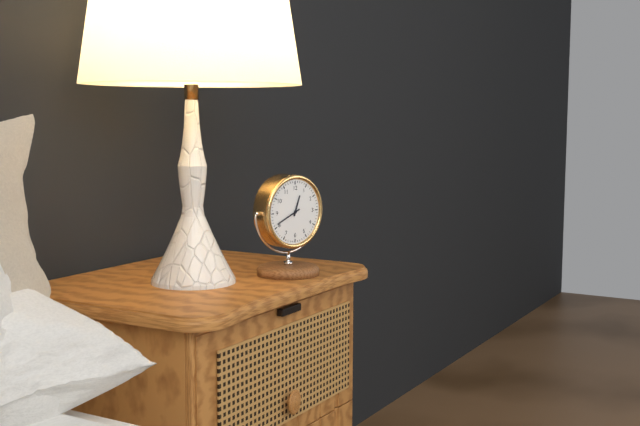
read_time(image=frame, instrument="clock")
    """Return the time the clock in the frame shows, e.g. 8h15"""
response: 12h41
